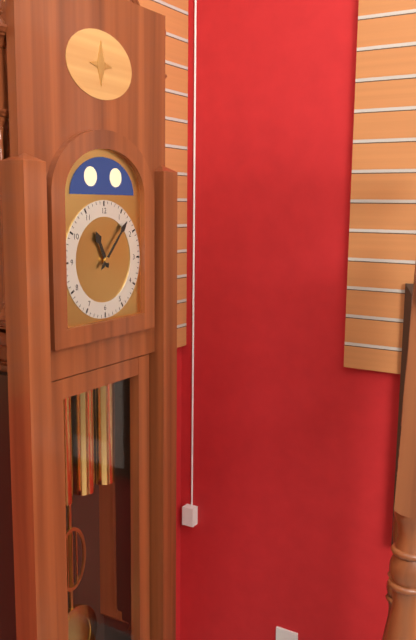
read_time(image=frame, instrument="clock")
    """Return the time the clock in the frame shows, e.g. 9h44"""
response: 11h07
